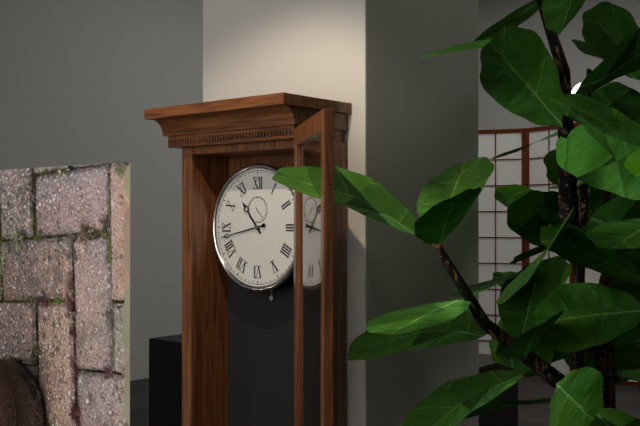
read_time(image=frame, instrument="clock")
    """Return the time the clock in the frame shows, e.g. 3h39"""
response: 10h43
